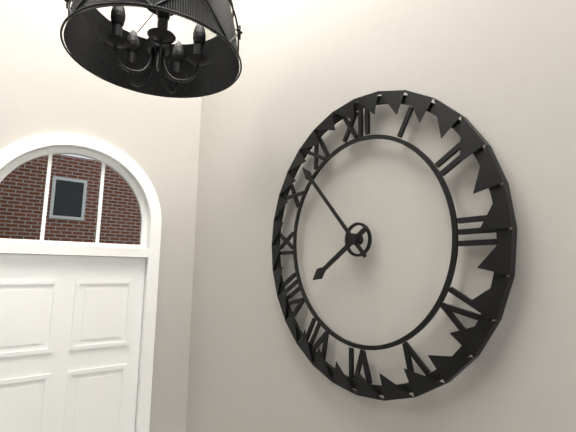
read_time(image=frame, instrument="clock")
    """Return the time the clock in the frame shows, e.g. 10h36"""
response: 7h53
